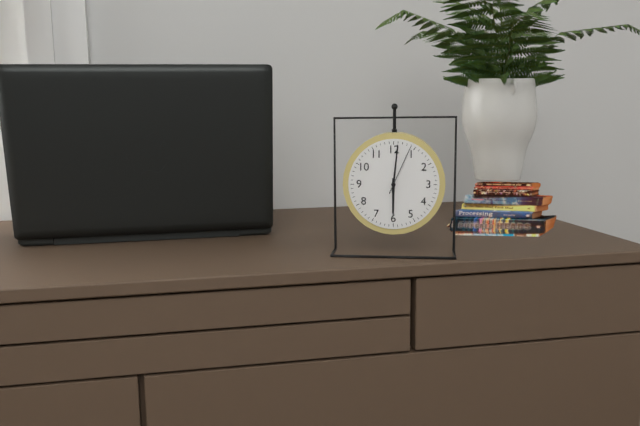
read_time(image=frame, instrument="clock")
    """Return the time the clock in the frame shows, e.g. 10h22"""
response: 6h01
